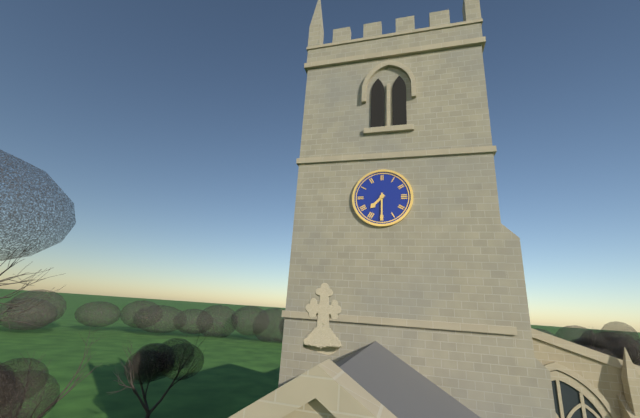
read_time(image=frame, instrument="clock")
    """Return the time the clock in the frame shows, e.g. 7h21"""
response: 7h30
